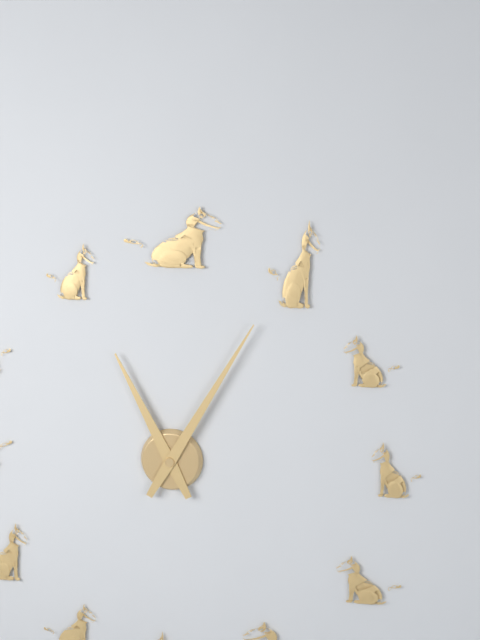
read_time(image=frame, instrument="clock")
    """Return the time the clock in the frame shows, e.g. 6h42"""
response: 11h05
